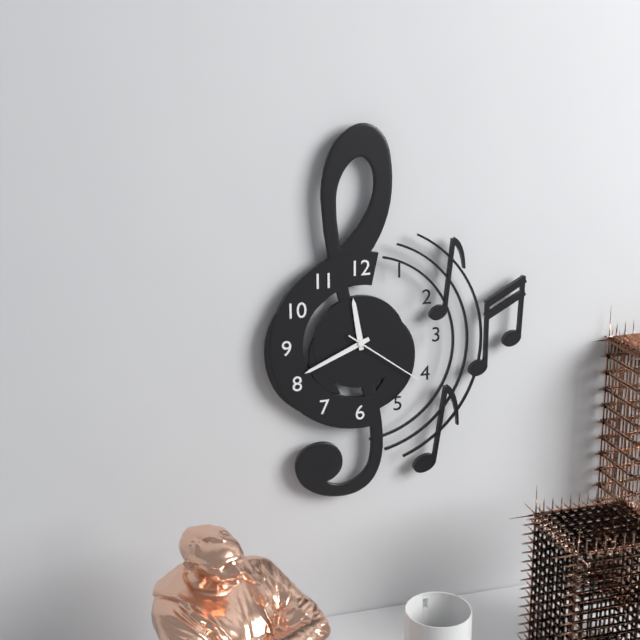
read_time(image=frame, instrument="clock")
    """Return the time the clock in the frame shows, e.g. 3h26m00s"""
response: 11h41m21s
